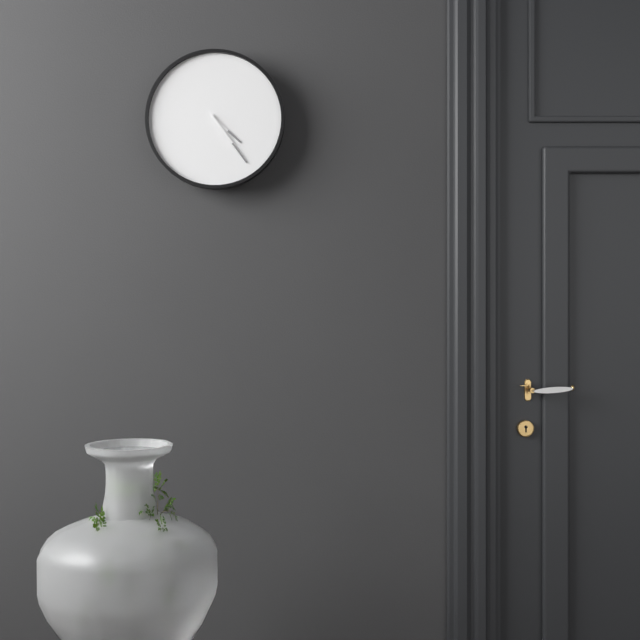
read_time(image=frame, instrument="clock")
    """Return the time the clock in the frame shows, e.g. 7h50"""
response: 4h24
